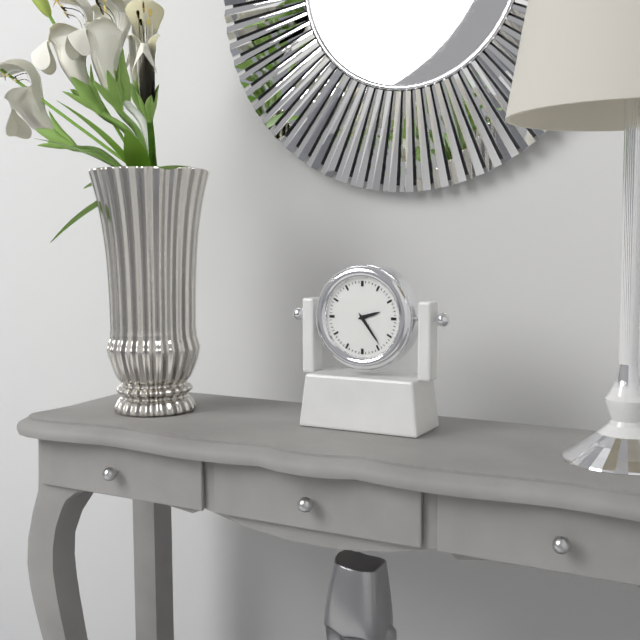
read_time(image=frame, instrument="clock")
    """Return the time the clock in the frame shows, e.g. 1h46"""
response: 2h24
